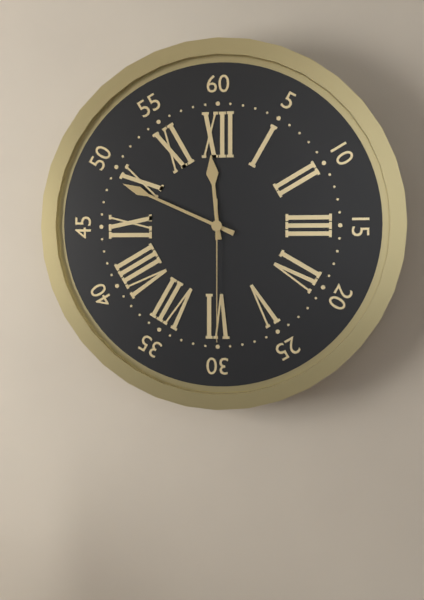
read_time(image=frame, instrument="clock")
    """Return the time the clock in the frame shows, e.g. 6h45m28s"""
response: 11h49m30s
